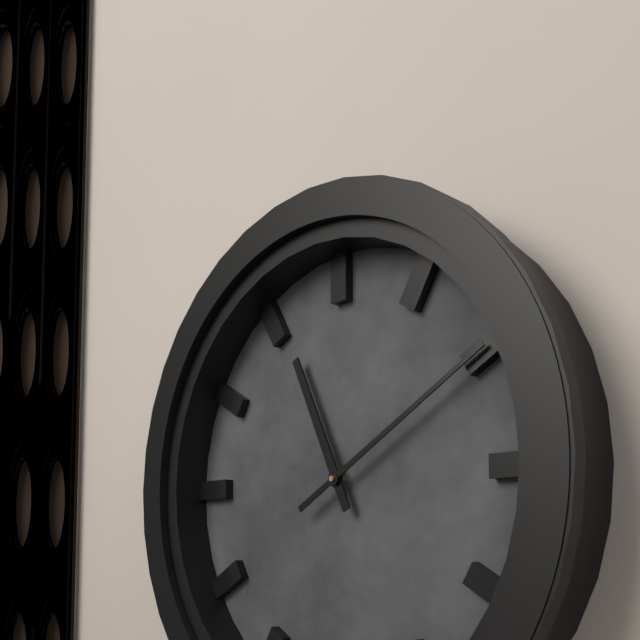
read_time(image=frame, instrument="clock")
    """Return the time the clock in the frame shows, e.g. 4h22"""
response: 11h10
